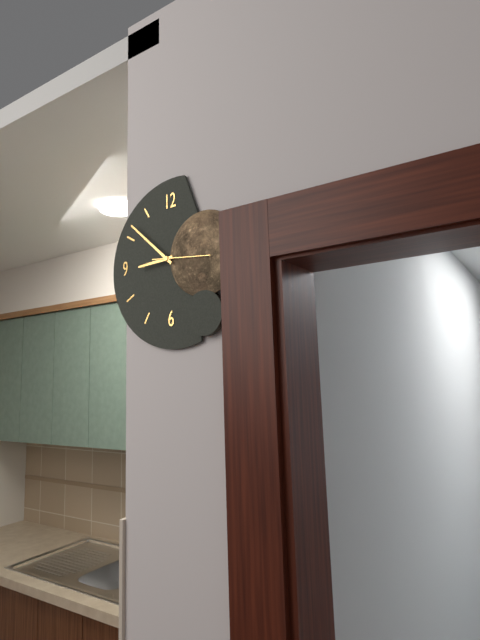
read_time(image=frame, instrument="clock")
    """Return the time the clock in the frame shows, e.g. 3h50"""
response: 8h52
